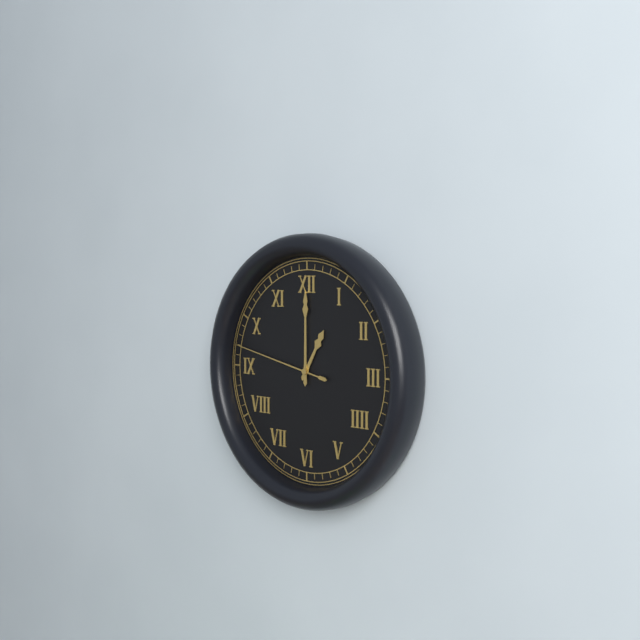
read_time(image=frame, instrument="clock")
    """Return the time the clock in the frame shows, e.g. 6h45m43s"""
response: 1h00m47s
